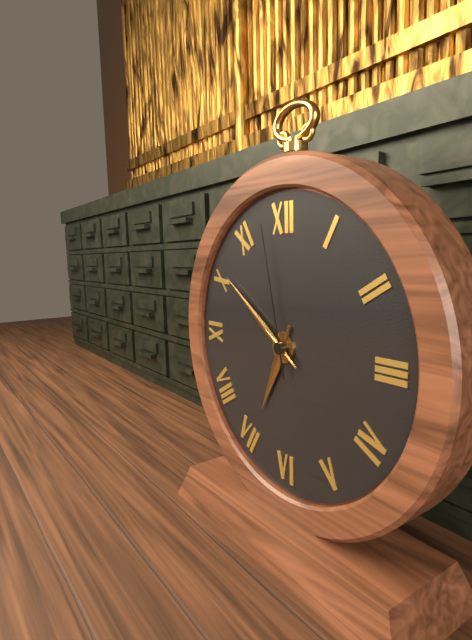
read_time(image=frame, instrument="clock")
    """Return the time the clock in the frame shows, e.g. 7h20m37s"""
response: 6h51m58s
